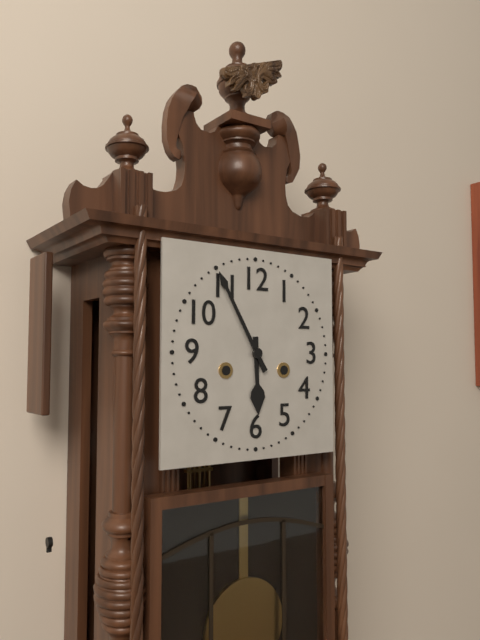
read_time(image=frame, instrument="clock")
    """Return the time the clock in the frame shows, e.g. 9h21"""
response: 5h55
